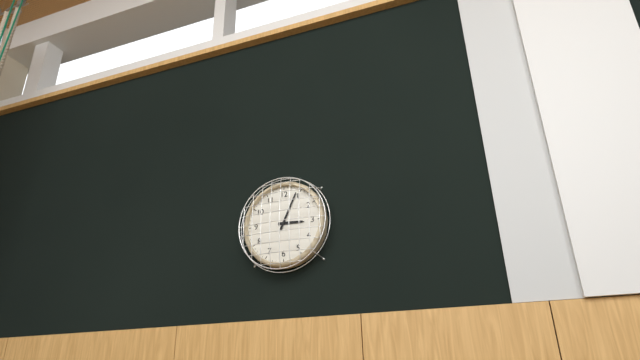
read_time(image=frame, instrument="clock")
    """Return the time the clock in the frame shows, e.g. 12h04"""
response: 3h04
